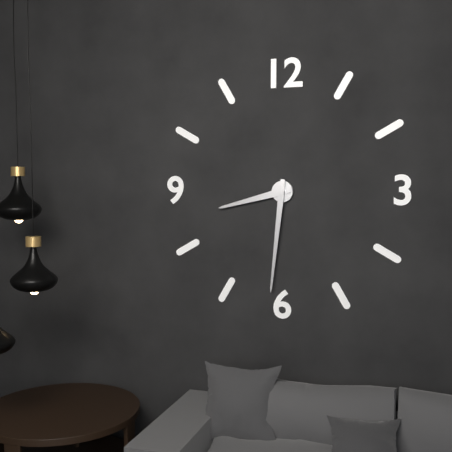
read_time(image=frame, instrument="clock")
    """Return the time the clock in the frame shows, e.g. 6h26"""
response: 8h31
